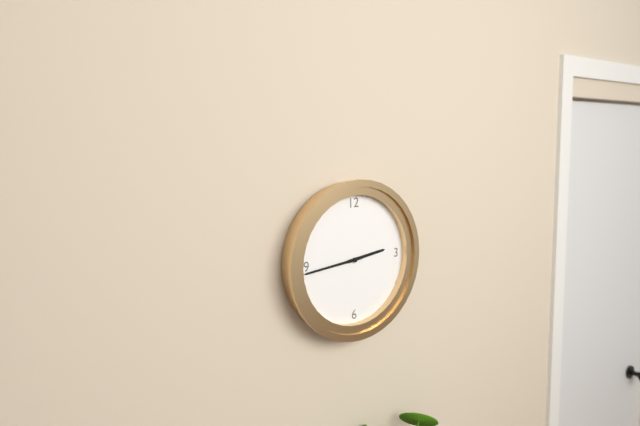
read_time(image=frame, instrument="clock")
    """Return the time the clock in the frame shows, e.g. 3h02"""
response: 2h44
